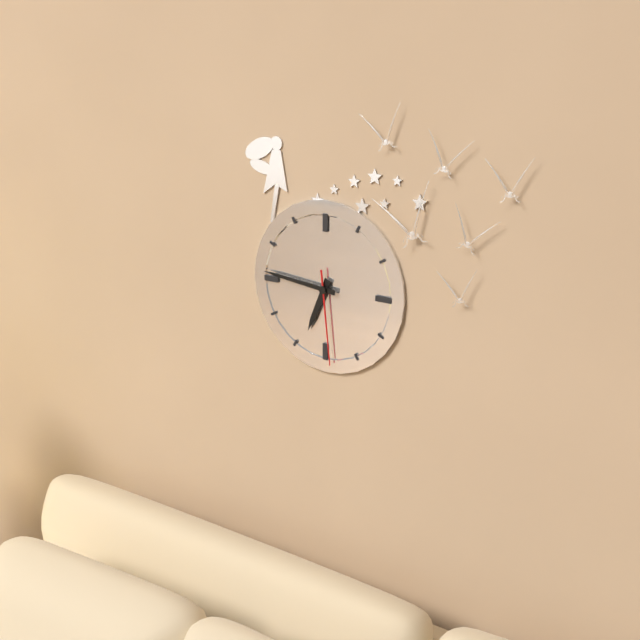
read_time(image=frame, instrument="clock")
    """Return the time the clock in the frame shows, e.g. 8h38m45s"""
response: 6h46m29s
